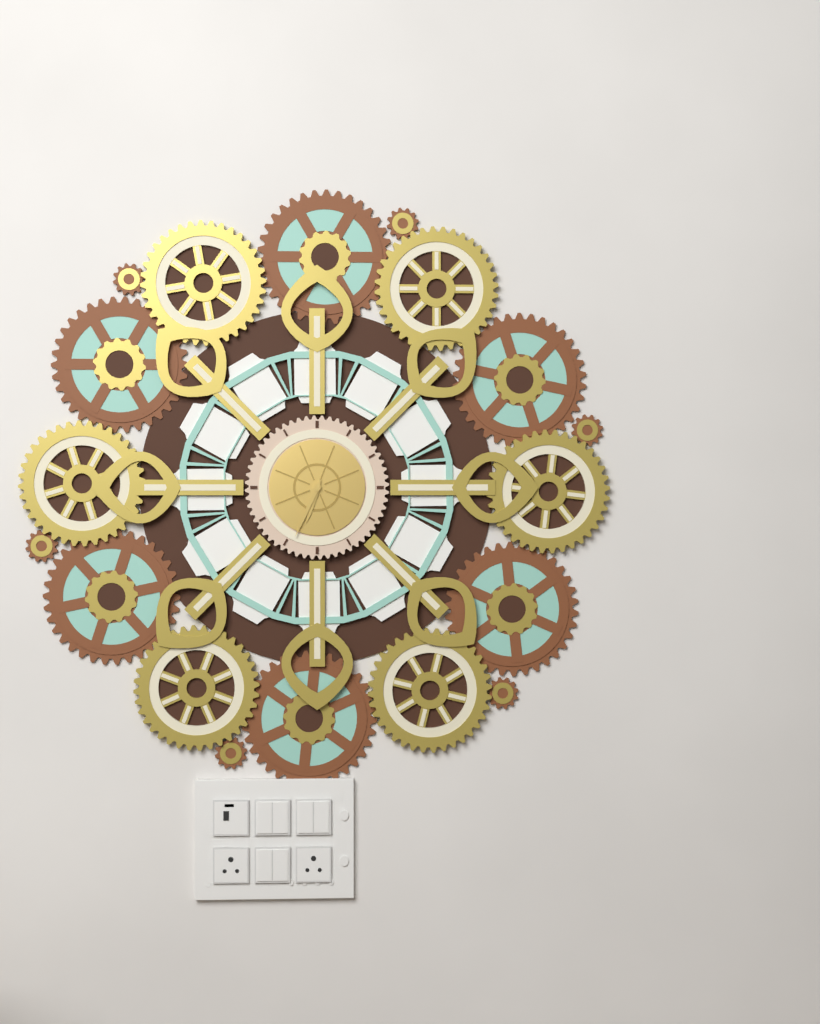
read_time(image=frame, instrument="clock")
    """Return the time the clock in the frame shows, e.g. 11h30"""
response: 6h34
